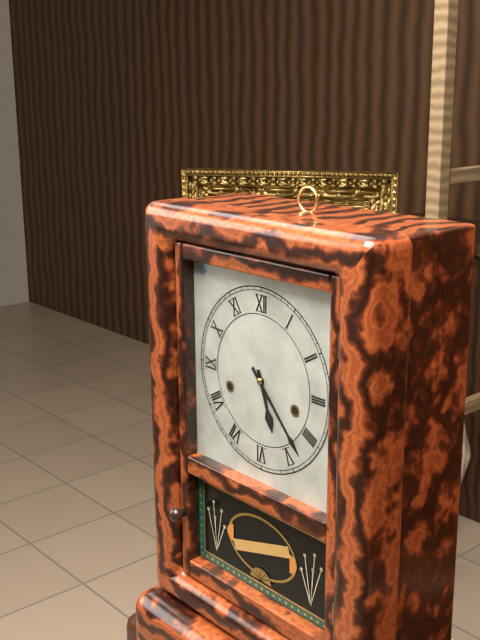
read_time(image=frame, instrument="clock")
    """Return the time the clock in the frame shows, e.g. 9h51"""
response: 5h23
